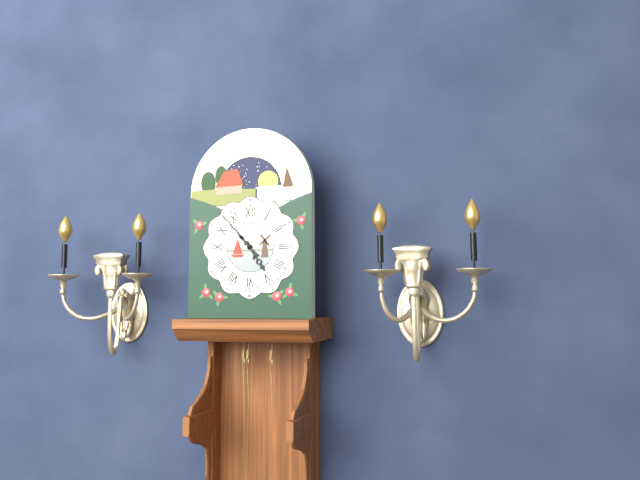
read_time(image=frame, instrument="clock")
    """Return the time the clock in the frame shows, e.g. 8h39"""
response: 4h53
